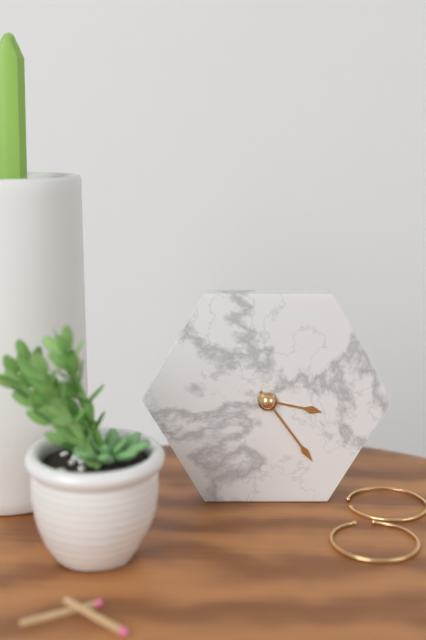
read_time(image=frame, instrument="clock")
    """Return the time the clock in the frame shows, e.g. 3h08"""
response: 3h24
